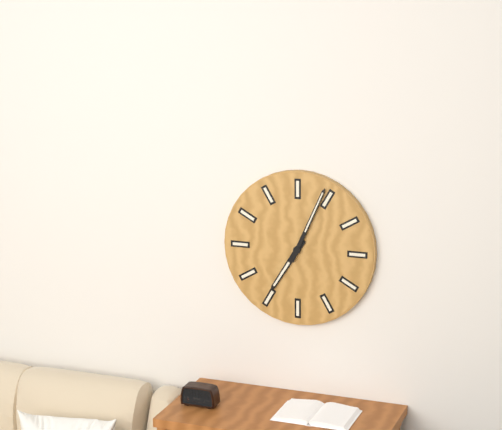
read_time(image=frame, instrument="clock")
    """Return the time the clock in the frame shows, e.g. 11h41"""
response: 7h04
